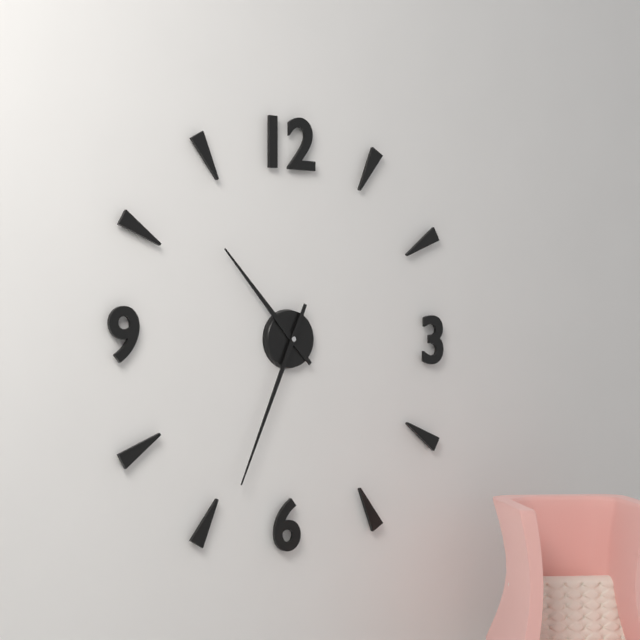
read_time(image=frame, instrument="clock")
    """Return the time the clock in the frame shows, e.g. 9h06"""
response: 10h34
